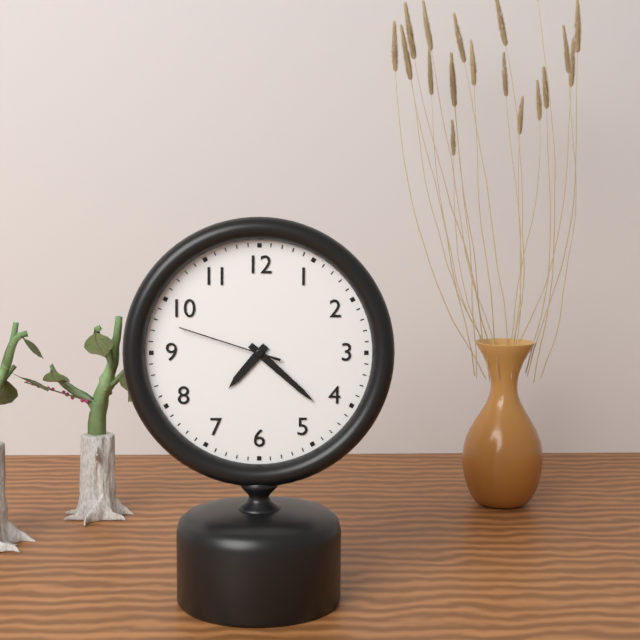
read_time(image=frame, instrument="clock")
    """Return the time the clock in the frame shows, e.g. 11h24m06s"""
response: 7h22m48s
